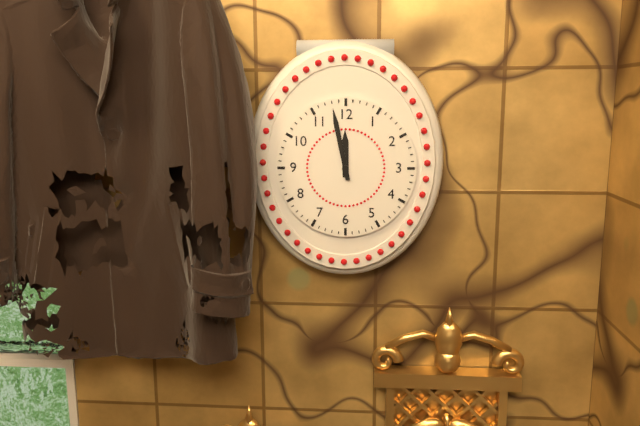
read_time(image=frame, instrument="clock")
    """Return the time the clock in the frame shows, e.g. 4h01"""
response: 11h58
